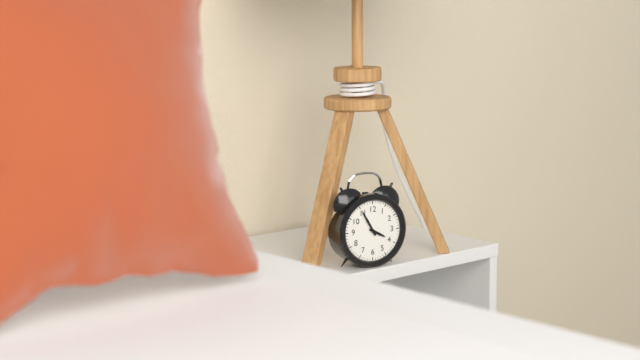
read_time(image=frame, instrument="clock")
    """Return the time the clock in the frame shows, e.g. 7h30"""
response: 3h55
